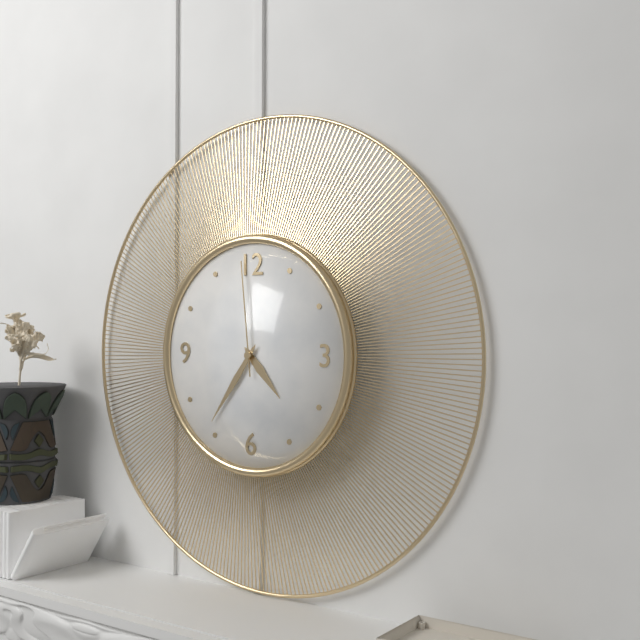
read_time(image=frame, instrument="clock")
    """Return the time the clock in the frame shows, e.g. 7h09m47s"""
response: 4h36m59s
